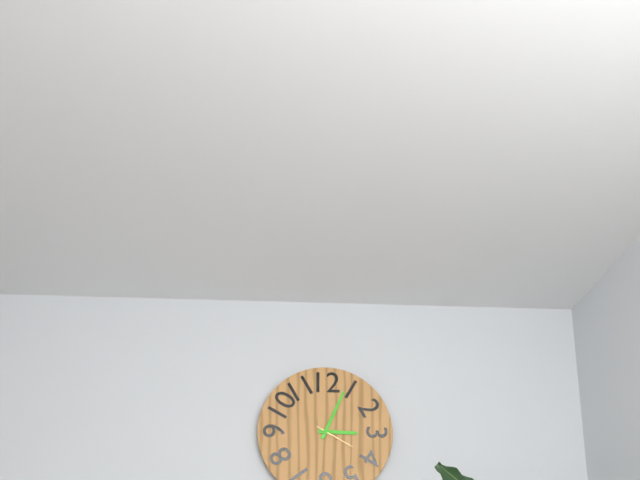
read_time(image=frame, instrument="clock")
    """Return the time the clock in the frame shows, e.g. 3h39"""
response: 3h04
